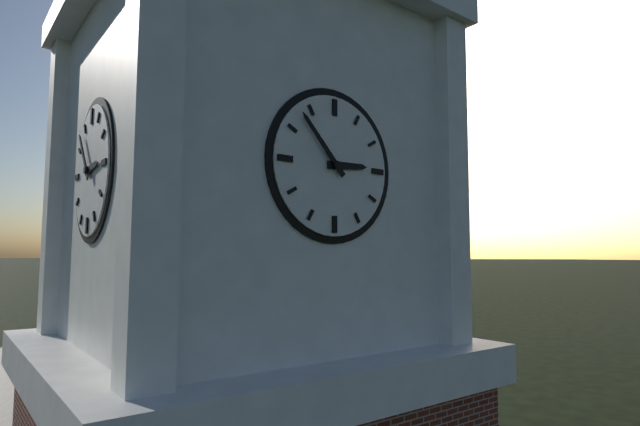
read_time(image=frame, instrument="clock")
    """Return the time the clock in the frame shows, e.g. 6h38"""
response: 2h53
